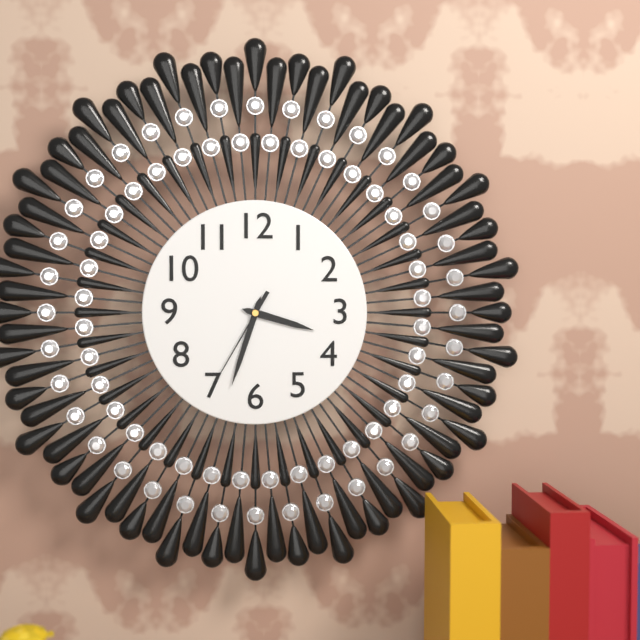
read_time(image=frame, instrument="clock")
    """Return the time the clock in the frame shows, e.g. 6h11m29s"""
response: 3h33m35s
